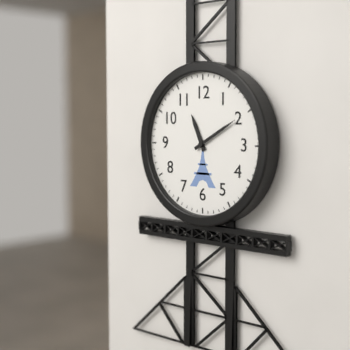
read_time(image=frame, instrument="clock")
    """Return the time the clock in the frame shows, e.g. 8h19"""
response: 11h10
